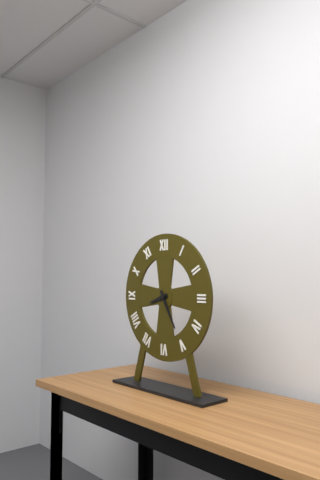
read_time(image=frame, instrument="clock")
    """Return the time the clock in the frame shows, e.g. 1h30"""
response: 8h25
